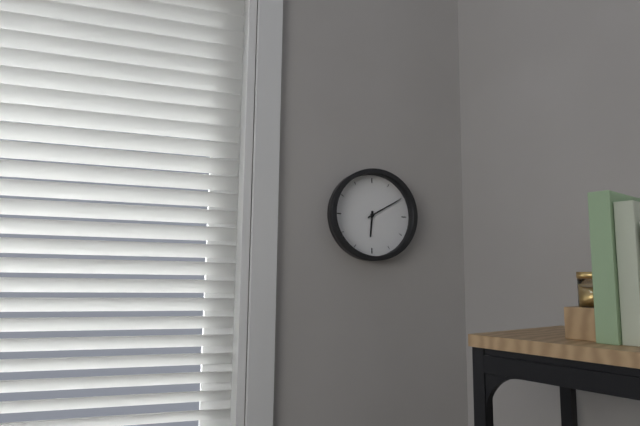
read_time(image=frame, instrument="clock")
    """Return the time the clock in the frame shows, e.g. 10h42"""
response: 6h10
